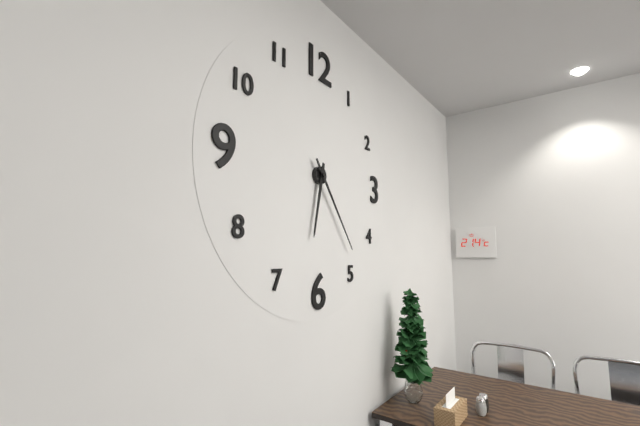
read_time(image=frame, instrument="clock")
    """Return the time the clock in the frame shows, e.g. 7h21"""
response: 6h24
